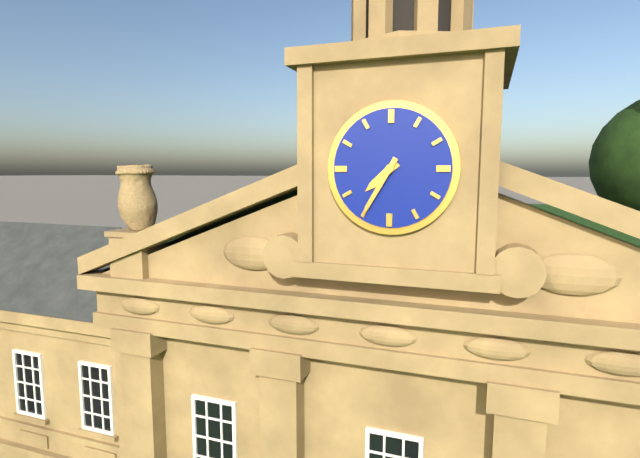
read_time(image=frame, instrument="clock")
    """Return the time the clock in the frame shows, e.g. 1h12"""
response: 7h35
